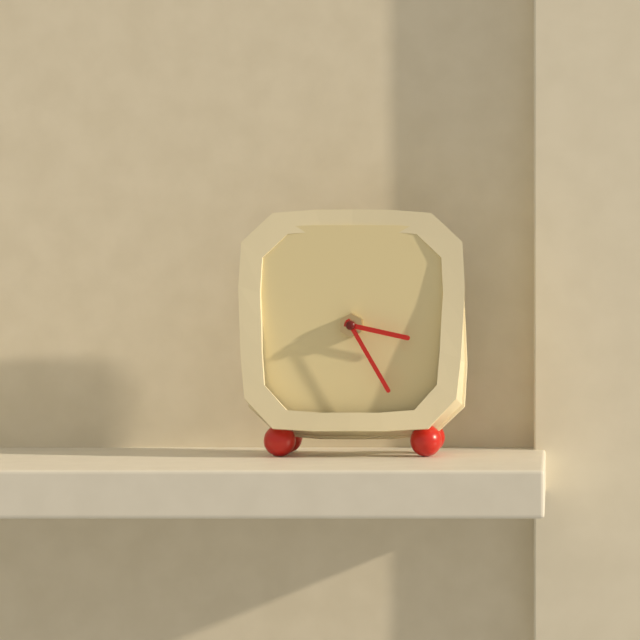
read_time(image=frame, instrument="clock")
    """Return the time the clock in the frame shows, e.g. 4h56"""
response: 3h25
